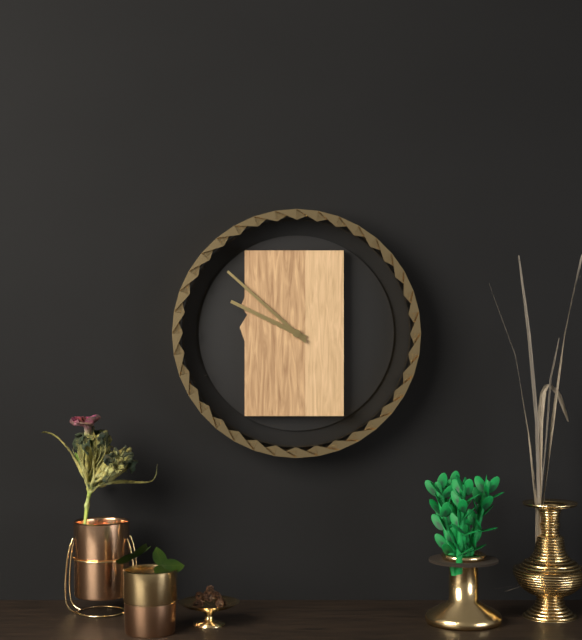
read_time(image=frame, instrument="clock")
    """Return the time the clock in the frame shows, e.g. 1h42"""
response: 9h52
